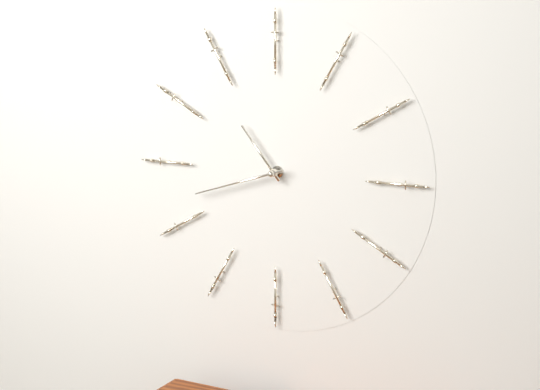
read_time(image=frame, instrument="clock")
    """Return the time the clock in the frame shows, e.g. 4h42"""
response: 10h42
